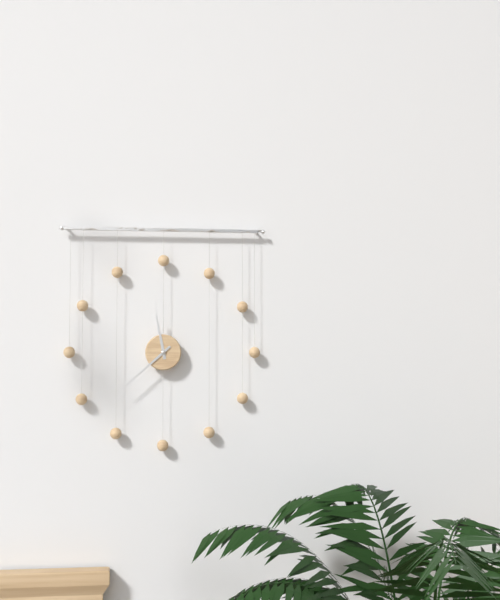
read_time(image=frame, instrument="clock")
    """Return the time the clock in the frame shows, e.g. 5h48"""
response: 11h38
